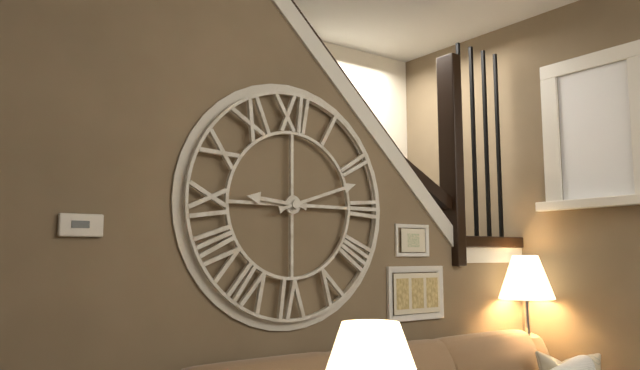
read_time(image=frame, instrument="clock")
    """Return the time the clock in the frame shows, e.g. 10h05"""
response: 9h12
